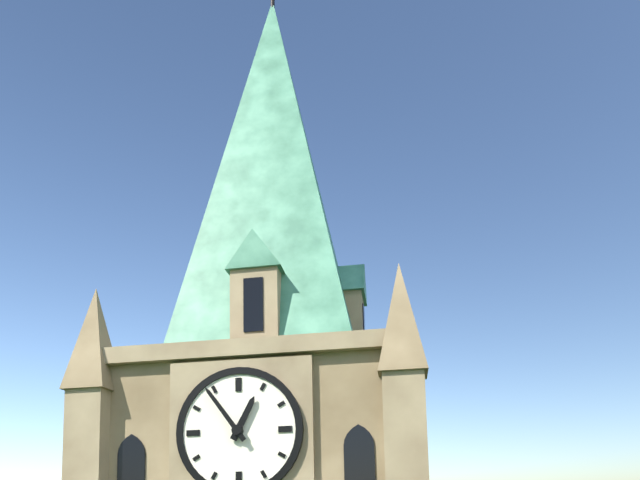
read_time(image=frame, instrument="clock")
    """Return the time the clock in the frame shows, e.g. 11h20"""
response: 12h54
